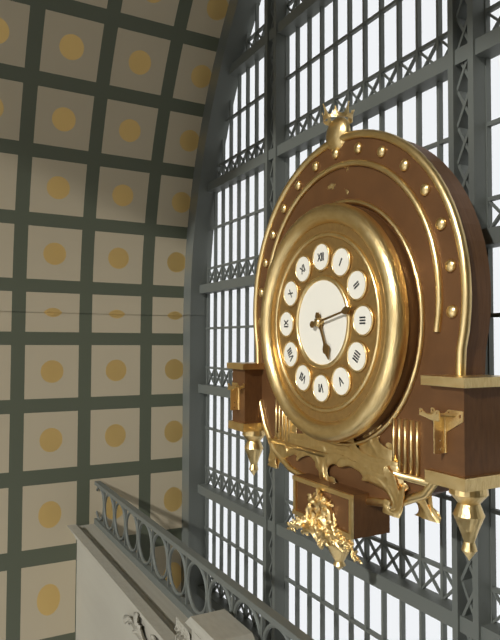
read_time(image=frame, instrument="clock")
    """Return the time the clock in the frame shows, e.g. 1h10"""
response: 5h13
